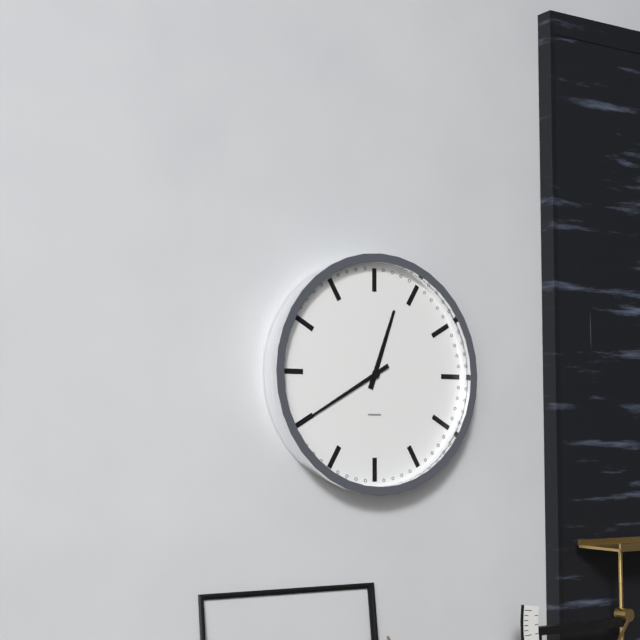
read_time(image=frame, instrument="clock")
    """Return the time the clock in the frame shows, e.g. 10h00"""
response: 12h40
